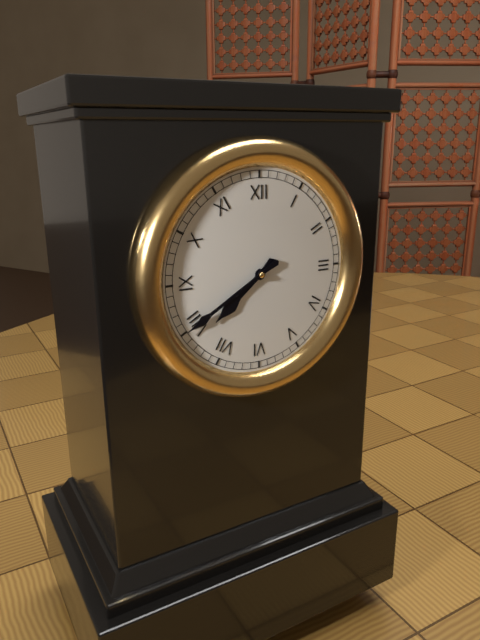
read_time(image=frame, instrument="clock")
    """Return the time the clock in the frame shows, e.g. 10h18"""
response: 7h40
